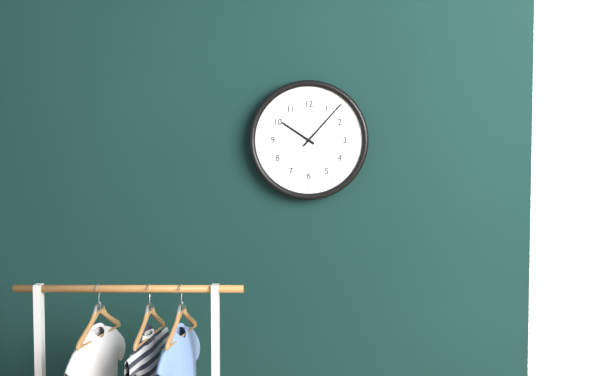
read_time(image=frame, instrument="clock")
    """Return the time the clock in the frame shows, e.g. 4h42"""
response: 10h07
